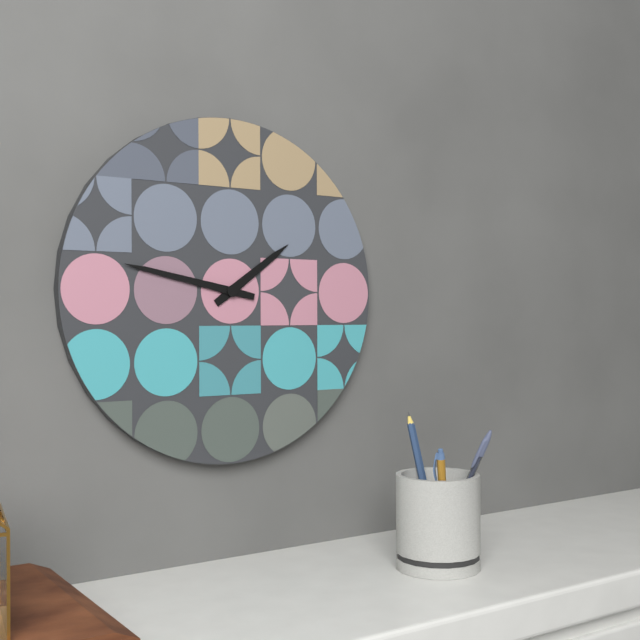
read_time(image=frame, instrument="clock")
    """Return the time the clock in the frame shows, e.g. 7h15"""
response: 1h47
